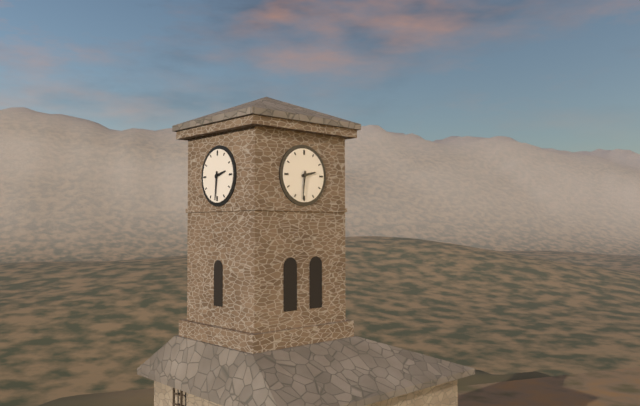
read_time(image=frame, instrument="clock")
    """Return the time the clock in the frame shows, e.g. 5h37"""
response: 2h31
